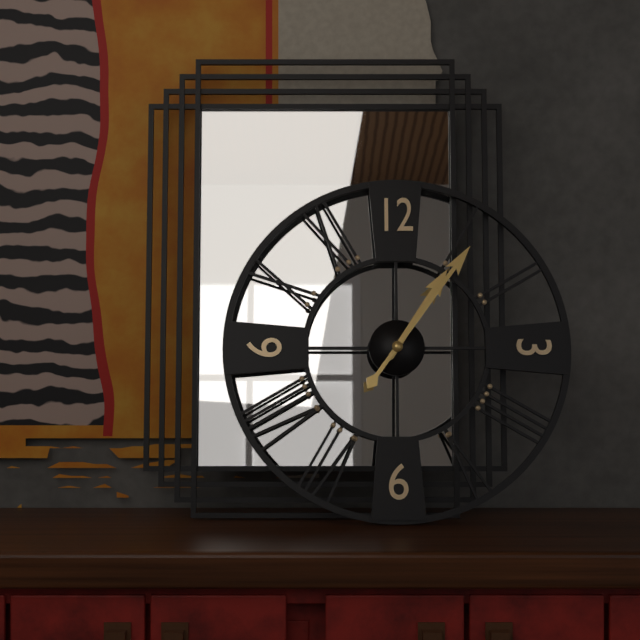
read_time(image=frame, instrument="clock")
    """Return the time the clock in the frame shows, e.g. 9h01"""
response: 1h06
